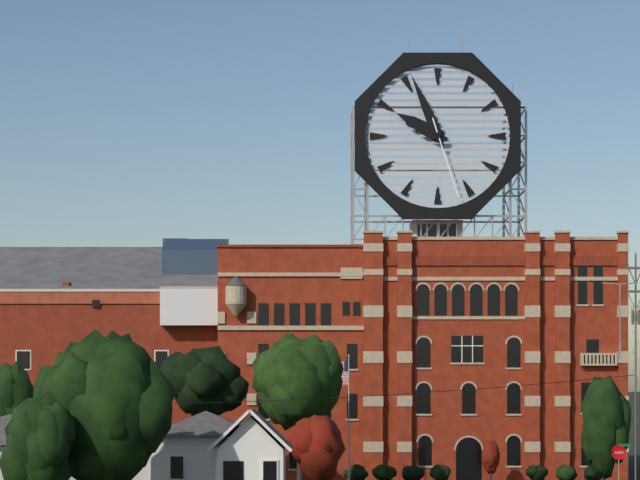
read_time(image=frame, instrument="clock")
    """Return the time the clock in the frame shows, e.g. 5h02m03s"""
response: 9h56m27s
